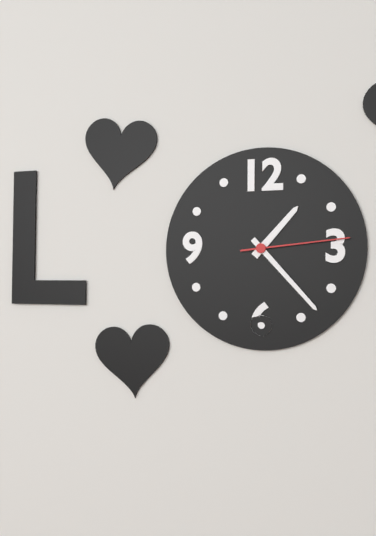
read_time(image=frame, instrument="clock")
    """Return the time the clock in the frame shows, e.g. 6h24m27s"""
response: 1h23m14s
